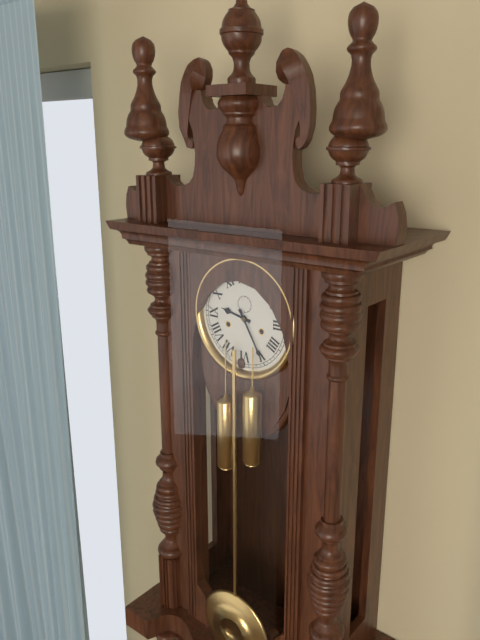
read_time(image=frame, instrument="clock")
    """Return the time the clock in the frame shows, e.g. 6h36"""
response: 9h25
